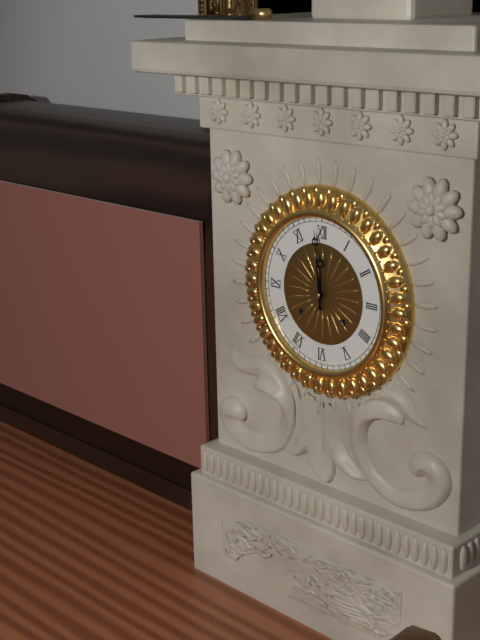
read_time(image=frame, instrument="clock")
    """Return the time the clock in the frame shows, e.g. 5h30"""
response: 11h59
